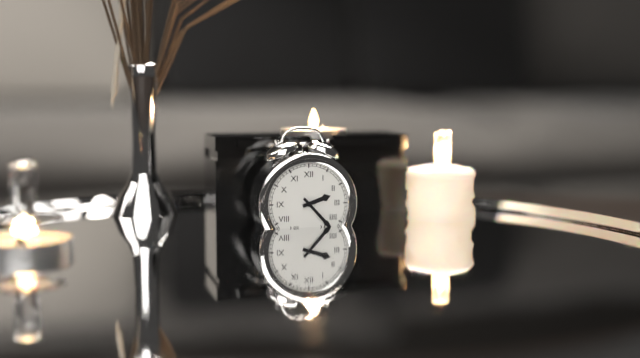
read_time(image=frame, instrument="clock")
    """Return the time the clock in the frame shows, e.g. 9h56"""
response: 2h23
